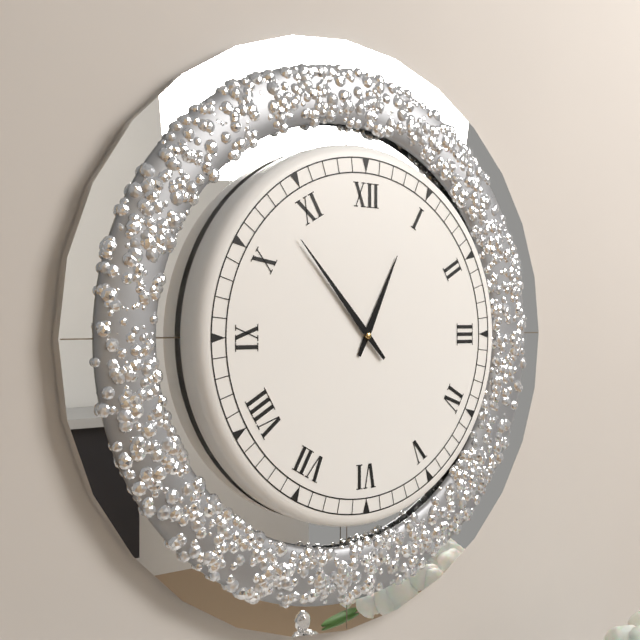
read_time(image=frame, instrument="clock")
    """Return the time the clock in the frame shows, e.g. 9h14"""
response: 12h53
